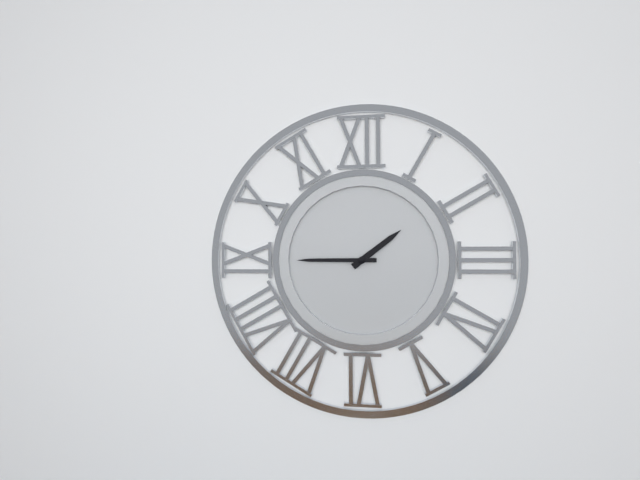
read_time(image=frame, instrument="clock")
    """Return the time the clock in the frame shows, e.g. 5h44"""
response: 1h45
